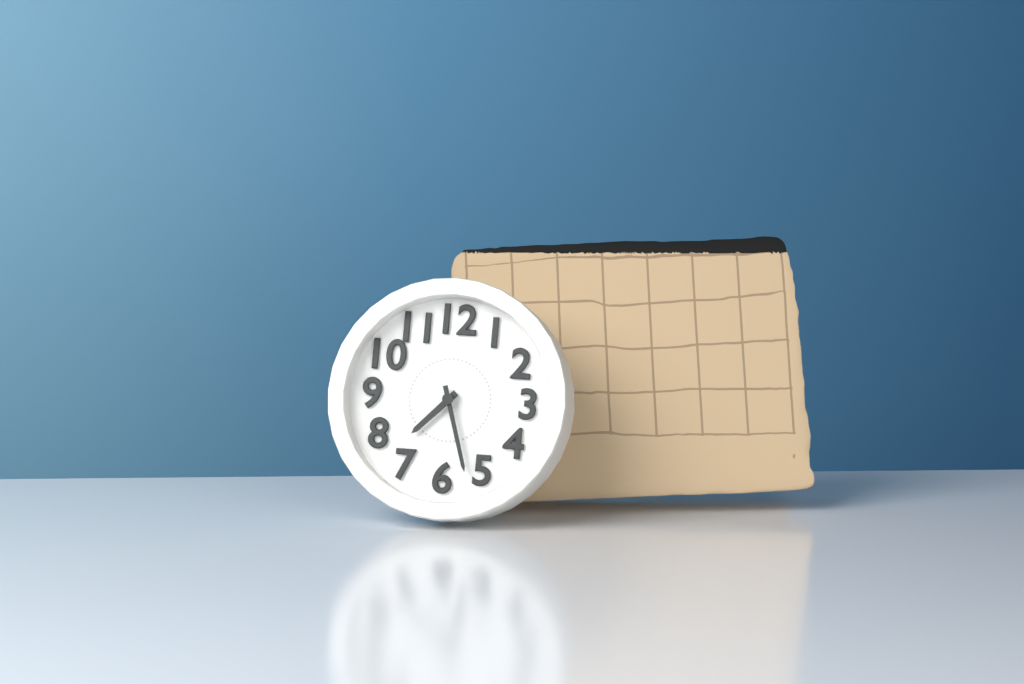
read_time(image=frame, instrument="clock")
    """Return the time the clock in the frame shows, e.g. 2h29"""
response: 7h27
